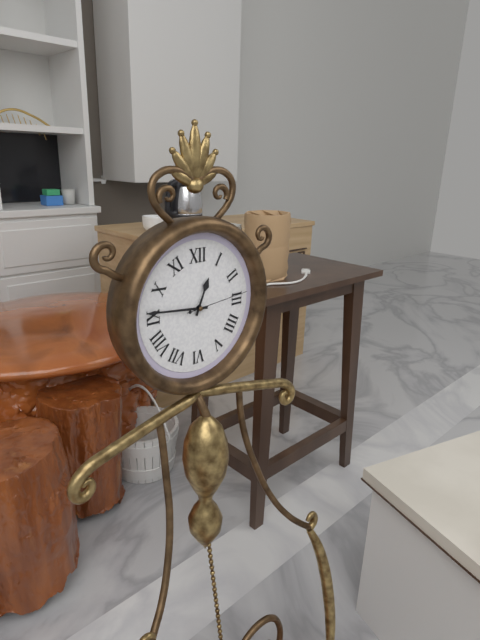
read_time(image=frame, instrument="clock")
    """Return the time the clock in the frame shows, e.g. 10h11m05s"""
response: 12h46m14s
